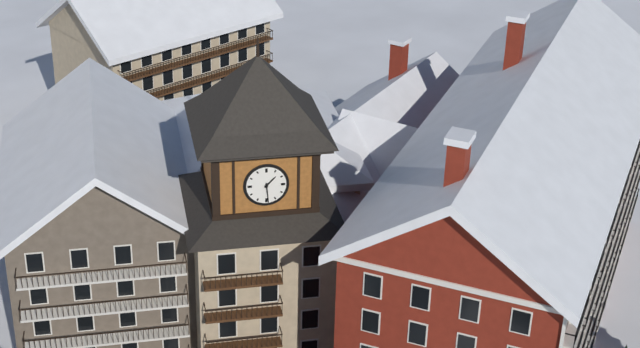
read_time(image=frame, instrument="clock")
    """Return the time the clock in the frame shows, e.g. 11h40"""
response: 1h29
